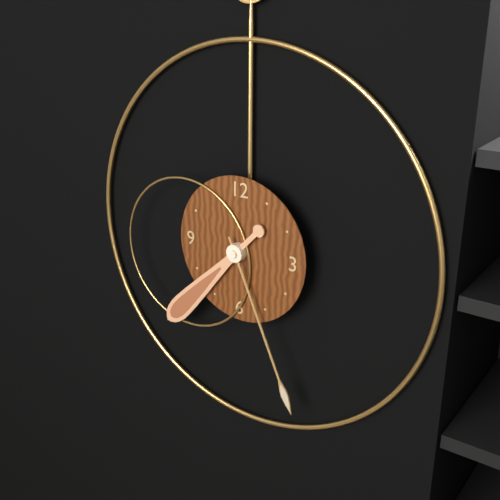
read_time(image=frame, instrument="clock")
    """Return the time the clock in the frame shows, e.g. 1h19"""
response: 7h26
